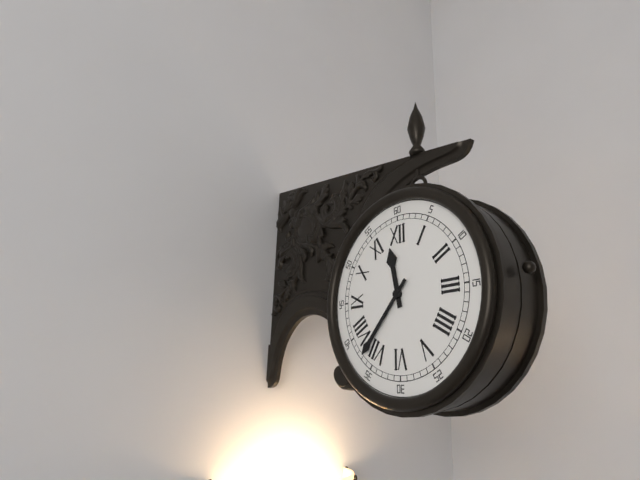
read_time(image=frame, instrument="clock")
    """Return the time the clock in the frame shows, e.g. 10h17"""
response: 11h37
